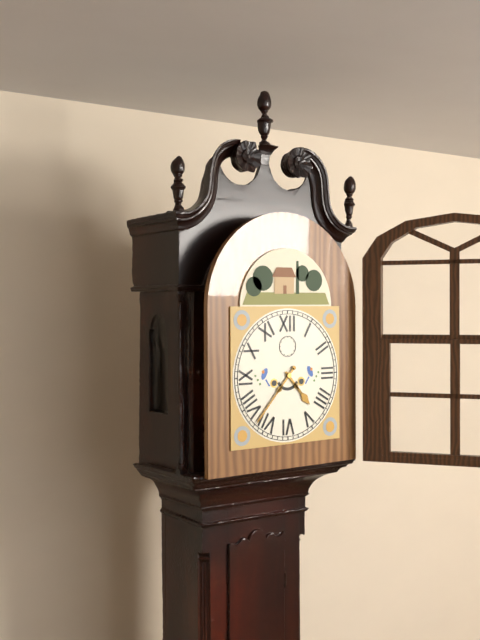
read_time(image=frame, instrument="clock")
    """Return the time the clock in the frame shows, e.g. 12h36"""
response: 4h37
